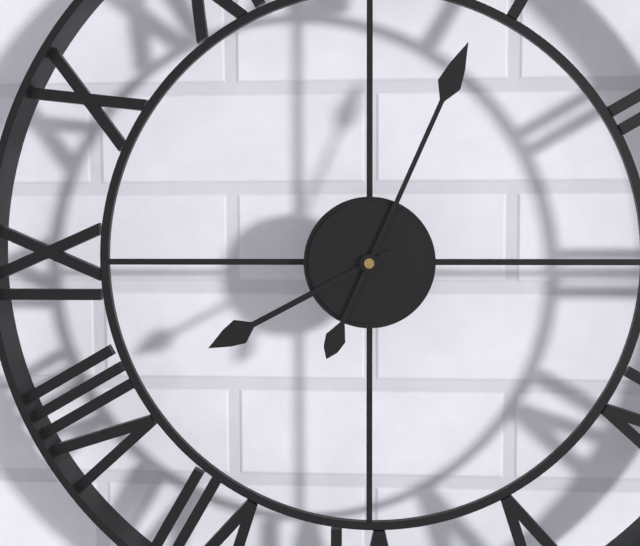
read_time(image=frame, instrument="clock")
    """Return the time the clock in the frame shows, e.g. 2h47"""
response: 8h04
